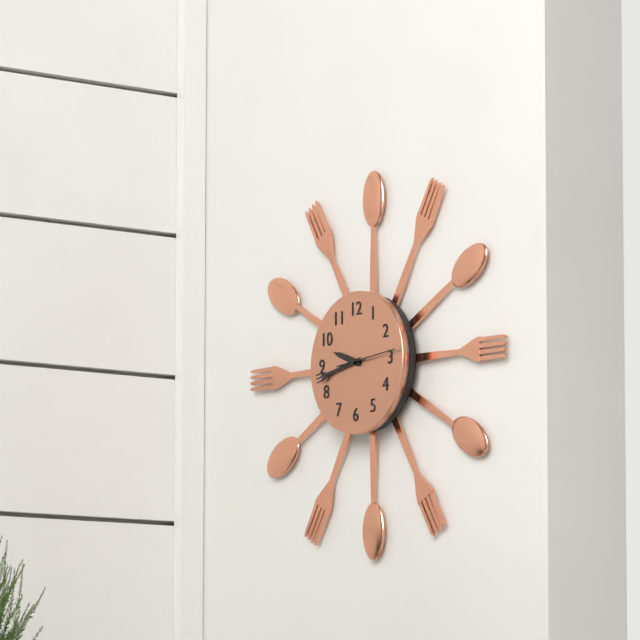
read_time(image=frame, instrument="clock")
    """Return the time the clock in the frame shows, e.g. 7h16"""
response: 9h43
